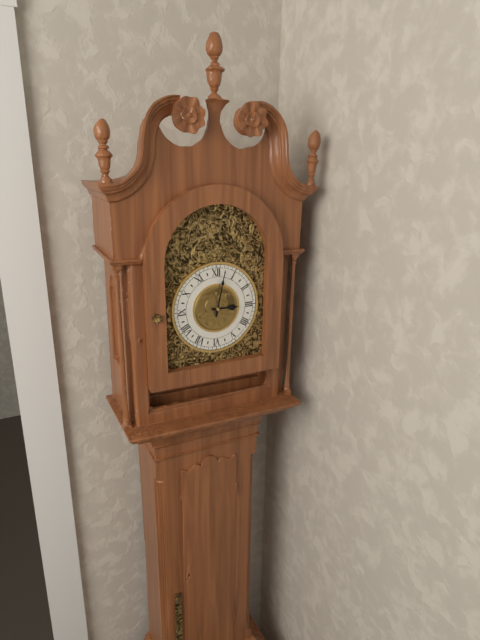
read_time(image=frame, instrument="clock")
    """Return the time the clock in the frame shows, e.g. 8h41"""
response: 3h02
